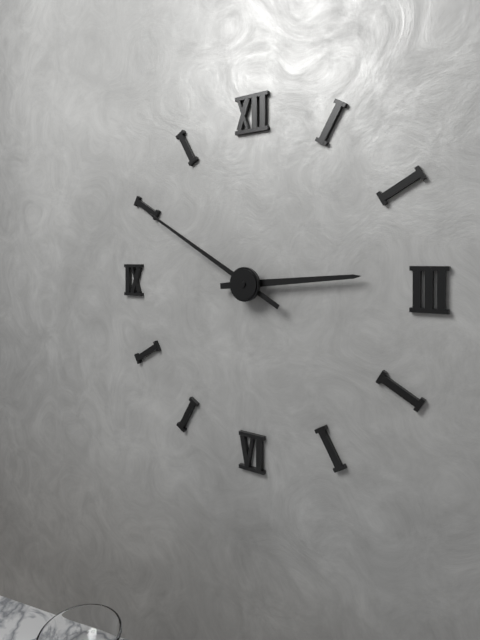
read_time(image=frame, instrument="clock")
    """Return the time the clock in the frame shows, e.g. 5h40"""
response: 2h50
